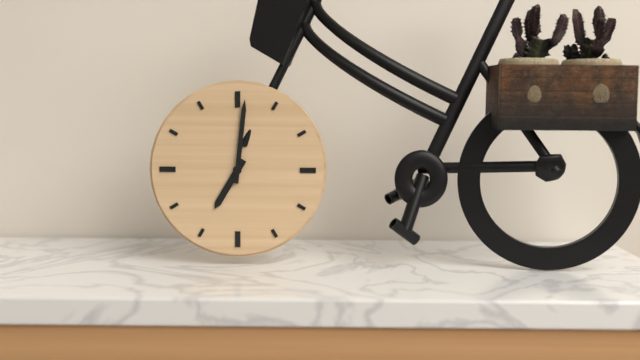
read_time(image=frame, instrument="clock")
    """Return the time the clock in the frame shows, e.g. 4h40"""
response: 7h01
